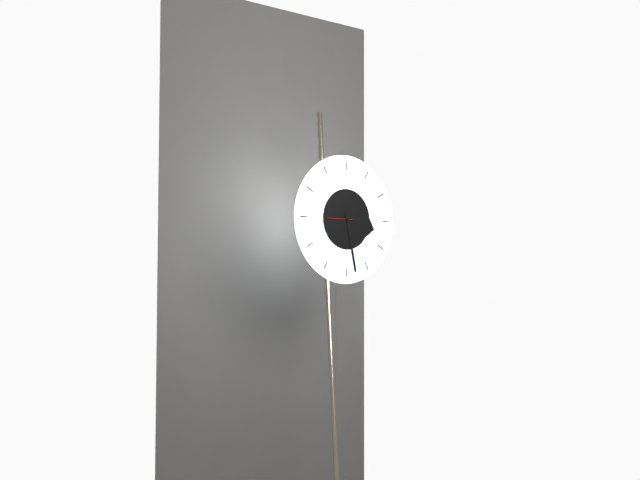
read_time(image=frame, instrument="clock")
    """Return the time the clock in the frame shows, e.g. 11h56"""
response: 3h28
